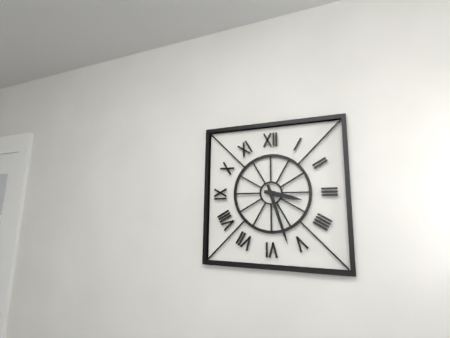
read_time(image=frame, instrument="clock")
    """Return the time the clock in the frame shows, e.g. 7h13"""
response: 3h27
